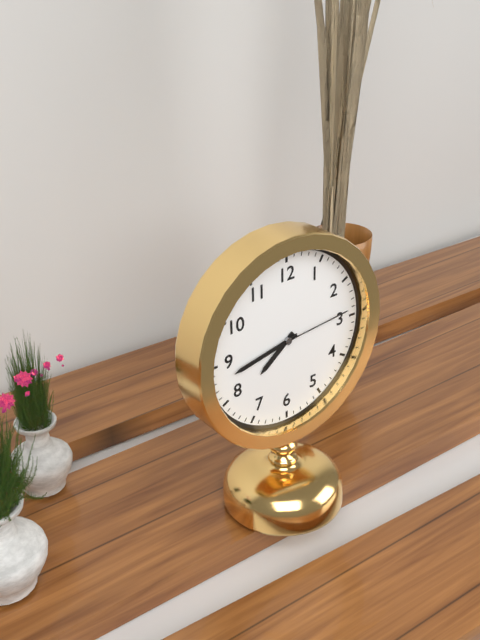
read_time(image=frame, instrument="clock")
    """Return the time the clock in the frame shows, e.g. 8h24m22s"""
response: 7h43m14s
